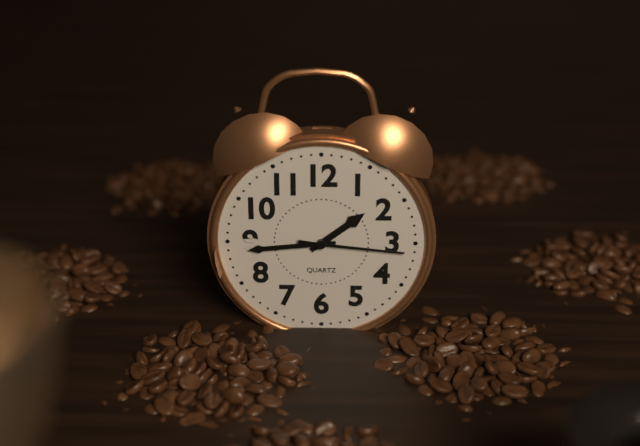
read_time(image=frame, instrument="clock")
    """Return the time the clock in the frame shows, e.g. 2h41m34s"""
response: 1h44m16s
